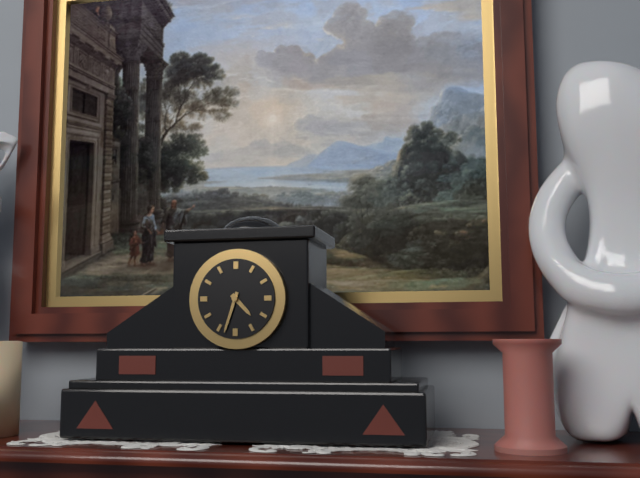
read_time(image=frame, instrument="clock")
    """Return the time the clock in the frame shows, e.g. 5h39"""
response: 4h33
